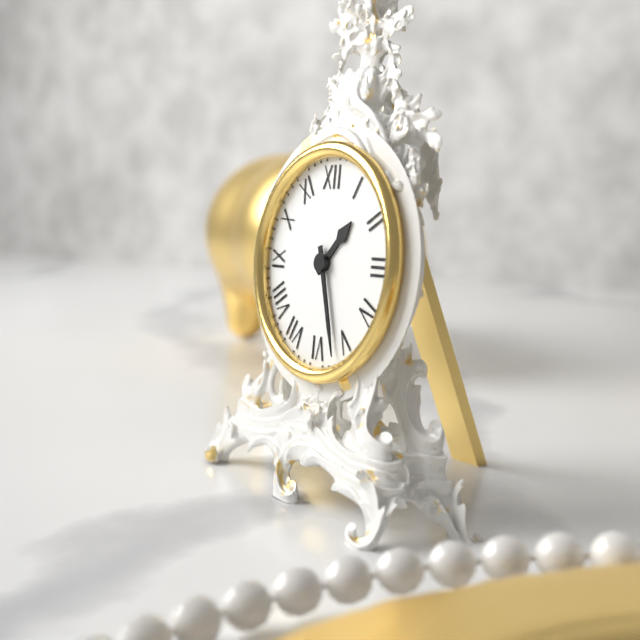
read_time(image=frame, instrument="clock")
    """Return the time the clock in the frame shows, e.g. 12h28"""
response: 1h27
